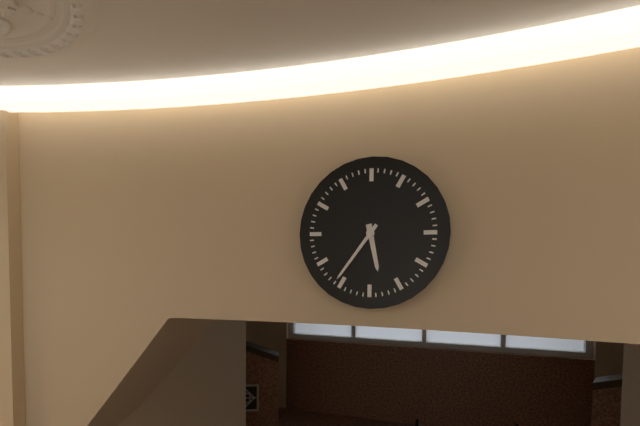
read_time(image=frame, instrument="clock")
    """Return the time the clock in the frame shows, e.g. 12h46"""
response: 5h36
